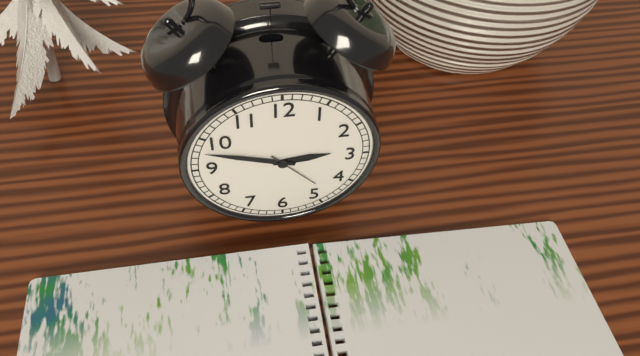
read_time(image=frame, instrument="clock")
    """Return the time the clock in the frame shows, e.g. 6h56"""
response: 2h48
